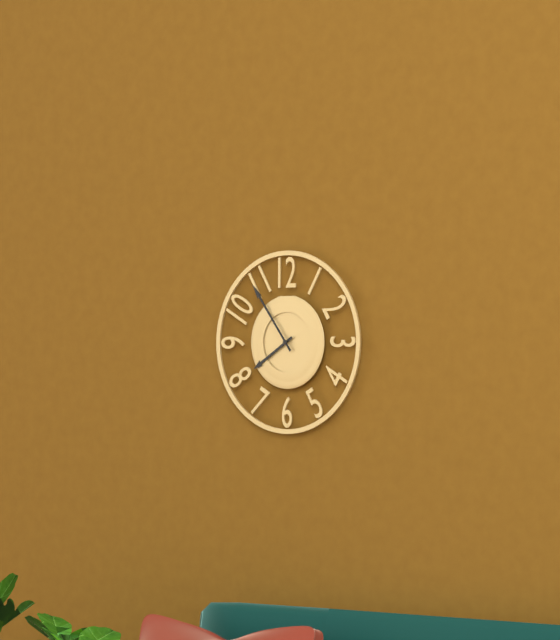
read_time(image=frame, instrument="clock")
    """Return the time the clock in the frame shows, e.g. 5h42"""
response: 7h54
